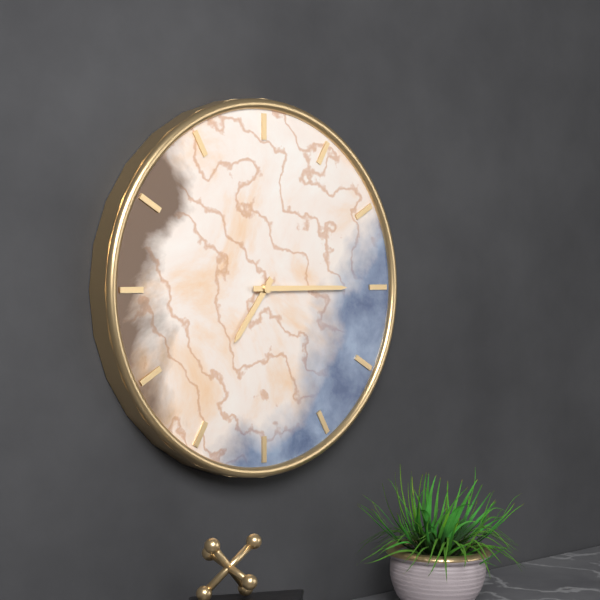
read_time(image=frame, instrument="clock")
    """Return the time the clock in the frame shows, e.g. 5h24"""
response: 7h15
